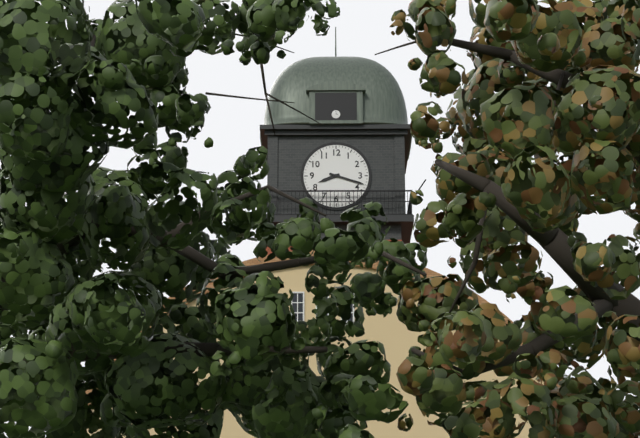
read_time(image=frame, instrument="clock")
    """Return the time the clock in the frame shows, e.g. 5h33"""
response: 8h18
